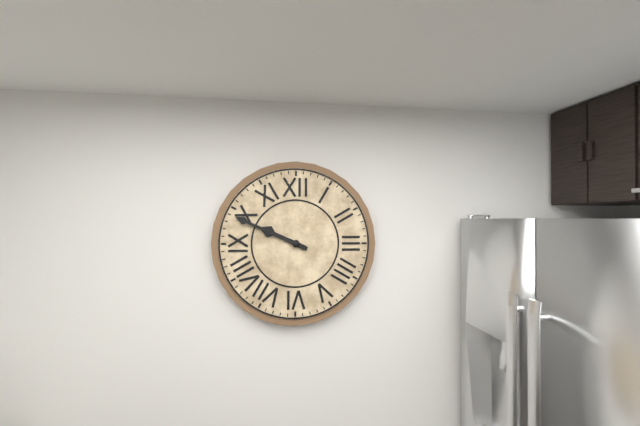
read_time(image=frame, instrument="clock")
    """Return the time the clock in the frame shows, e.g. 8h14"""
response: 9h49
